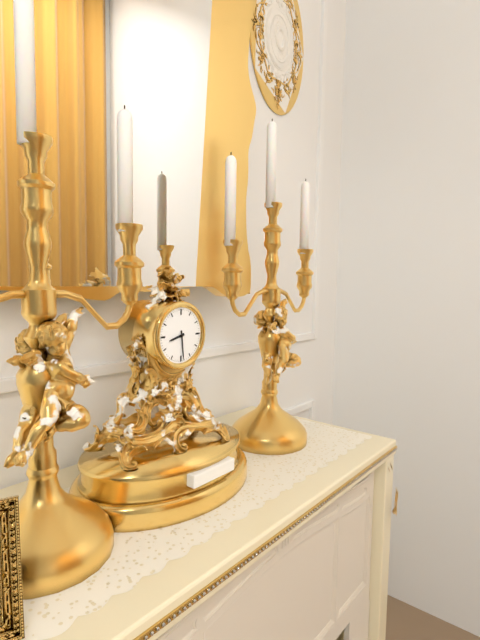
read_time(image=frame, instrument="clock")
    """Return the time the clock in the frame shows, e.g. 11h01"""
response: 8h29
